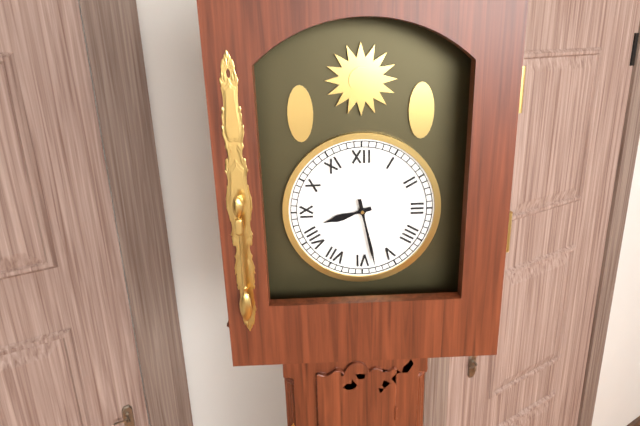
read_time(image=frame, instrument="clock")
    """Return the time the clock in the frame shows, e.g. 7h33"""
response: 8h28
